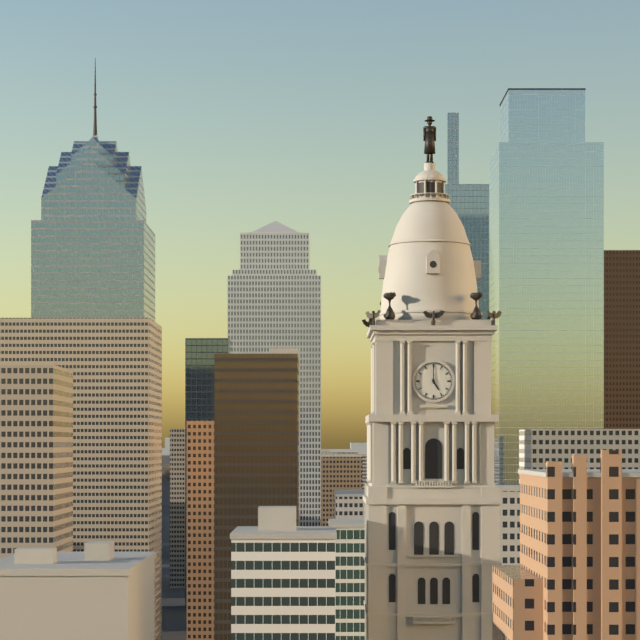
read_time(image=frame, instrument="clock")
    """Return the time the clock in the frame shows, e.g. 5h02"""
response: 5h00
